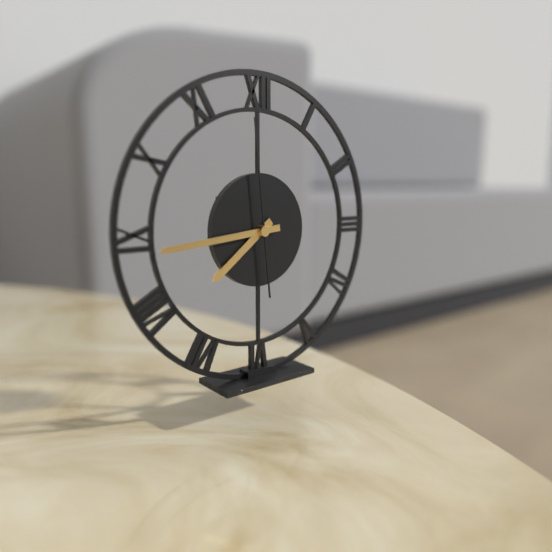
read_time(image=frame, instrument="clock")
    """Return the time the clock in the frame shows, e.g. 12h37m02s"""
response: 7h44m59s
